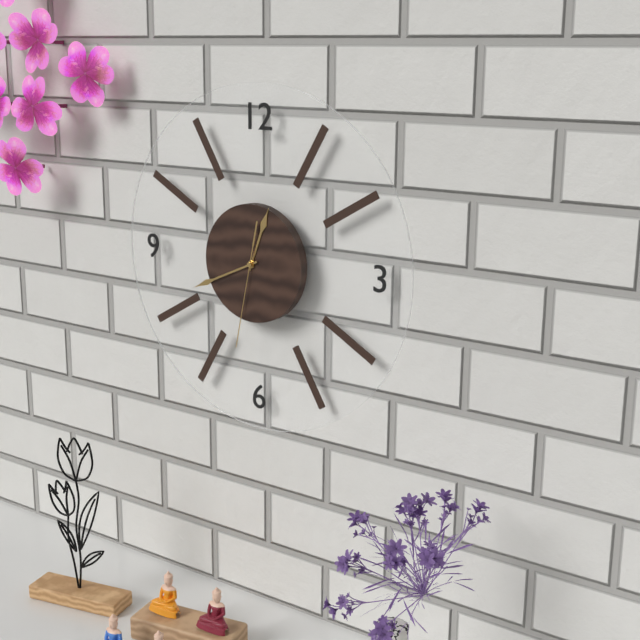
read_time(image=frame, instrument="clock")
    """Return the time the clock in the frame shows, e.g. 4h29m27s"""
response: 12h41m32s
